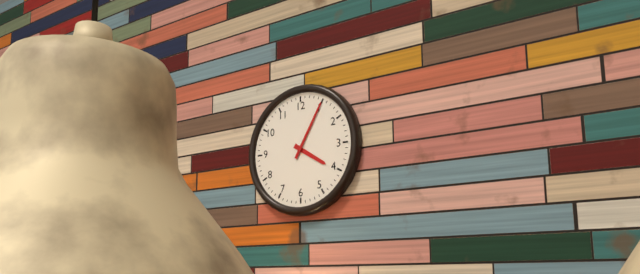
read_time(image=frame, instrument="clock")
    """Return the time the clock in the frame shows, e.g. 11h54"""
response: 4h05
